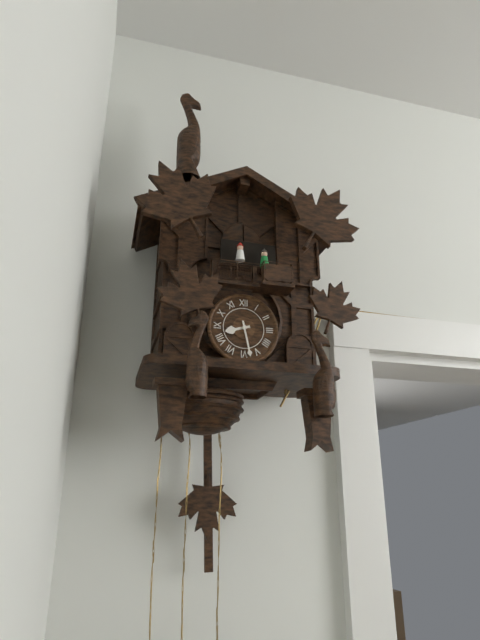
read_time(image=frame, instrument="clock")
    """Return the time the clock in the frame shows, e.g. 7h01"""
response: 8h28
